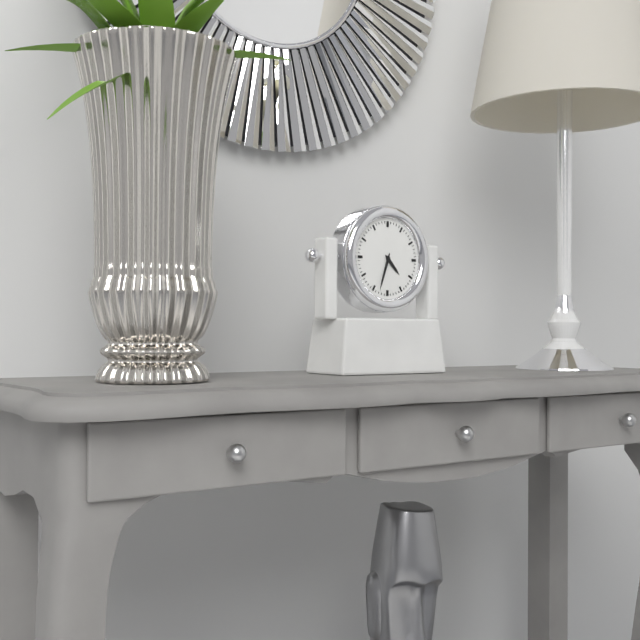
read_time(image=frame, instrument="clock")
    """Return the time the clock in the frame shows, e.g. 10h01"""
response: 4h33
